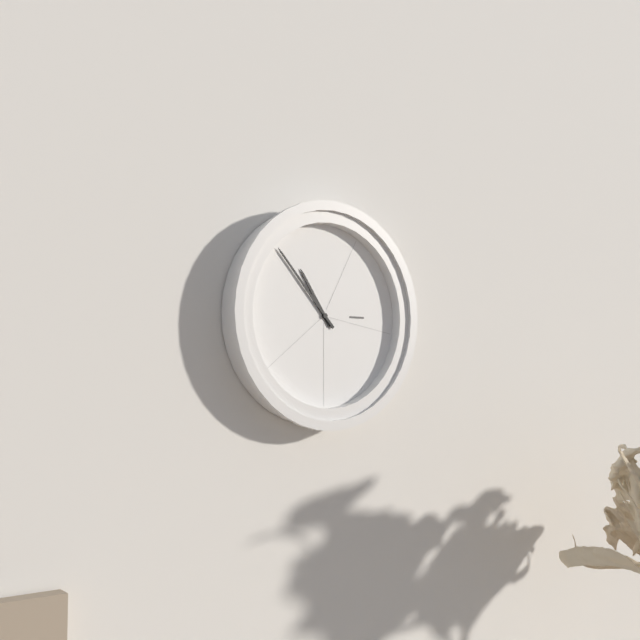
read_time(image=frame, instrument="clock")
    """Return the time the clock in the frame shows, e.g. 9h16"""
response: 10h53
